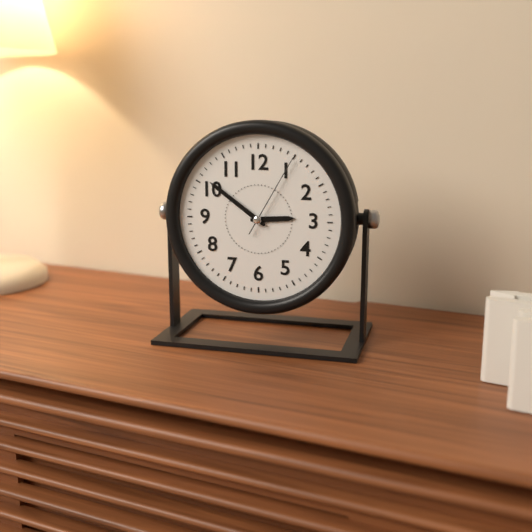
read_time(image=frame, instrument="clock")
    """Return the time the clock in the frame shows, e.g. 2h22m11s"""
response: 2h51m05s
